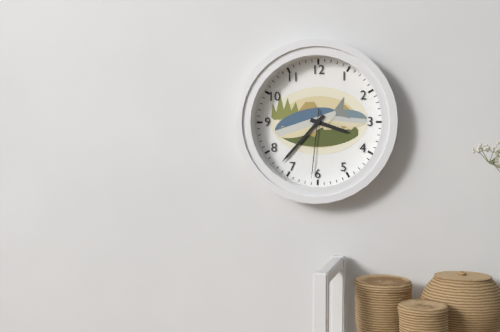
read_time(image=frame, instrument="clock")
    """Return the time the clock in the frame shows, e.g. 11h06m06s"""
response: 3h37m31s
